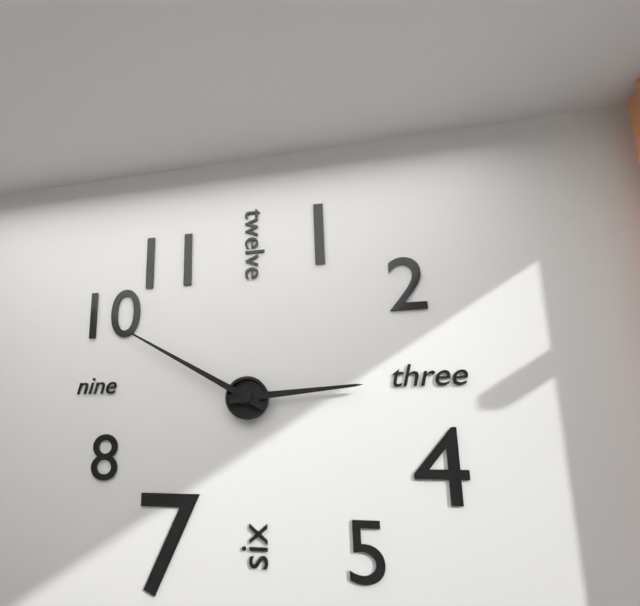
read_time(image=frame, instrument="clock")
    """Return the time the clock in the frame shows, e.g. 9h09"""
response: 2h50
